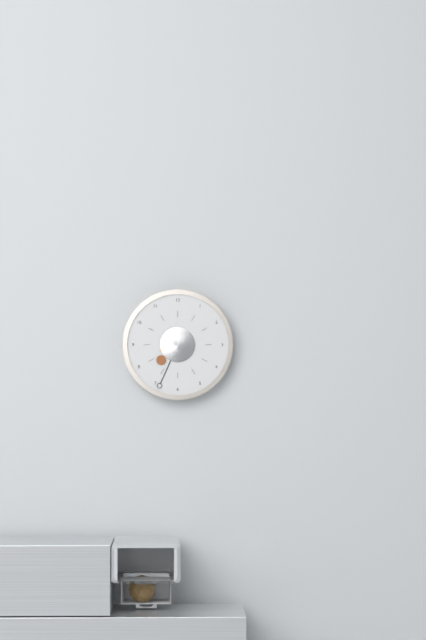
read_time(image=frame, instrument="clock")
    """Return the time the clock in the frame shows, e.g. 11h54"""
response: 7h34
